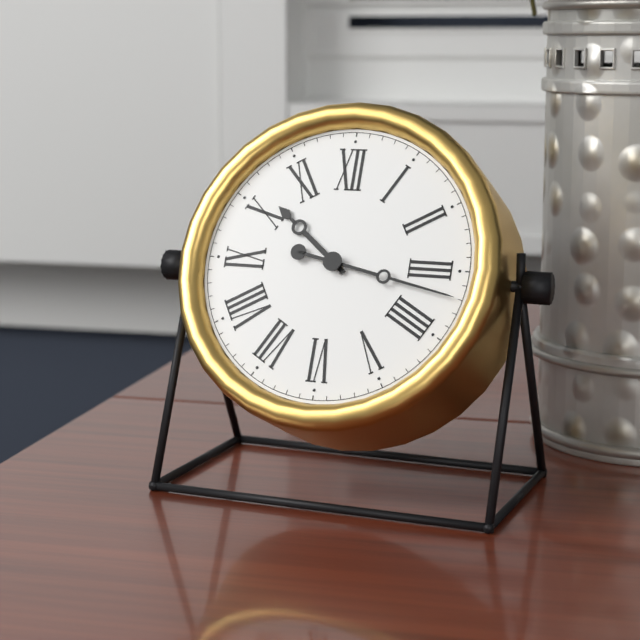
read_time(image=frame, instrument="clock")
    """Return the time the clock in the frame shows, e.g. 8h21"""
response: 10h17
